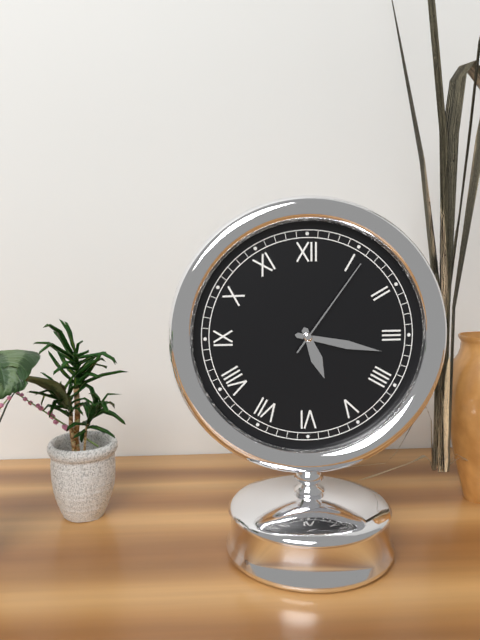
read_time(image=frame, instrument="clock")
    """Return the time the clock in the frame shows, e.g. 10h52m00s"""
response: 5h17m06s
